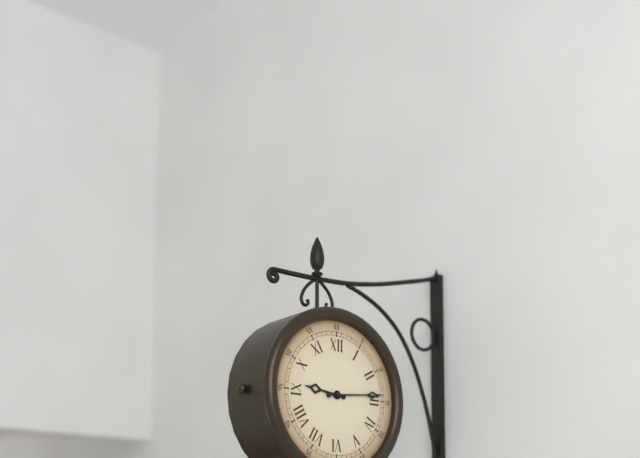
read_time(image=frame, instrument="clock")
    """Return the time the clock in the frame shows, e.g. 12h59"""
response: 9h14
